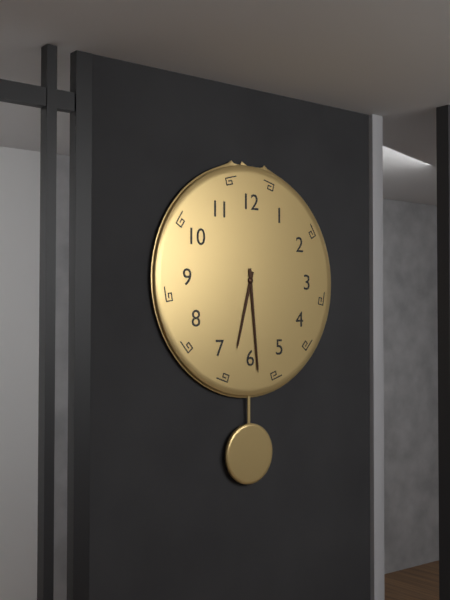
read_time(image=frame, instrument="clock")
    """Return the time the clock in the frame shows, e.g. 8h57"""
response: 6h29
